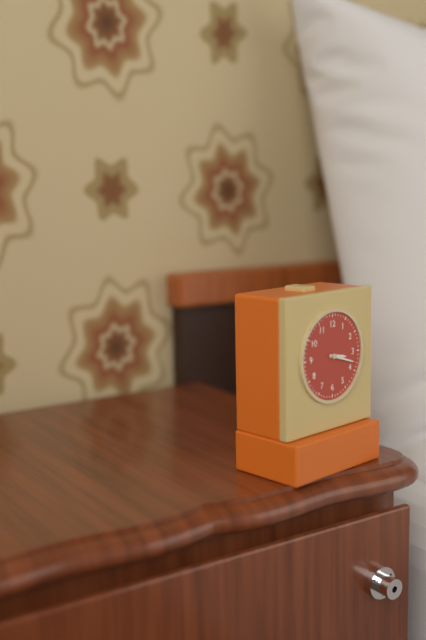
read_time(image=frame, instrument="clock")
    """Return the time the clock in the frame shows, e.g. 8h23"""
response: 3h18
